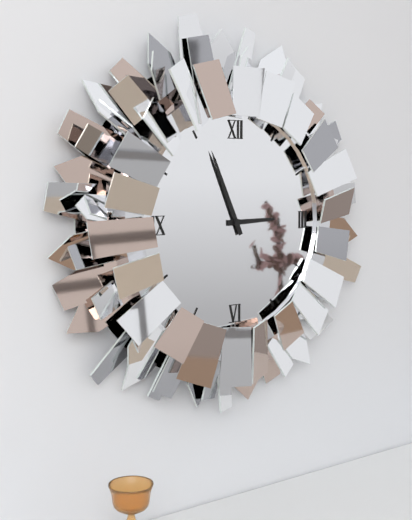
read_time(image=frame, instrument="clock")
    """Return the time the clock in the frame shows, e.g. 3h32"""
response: 2h56
